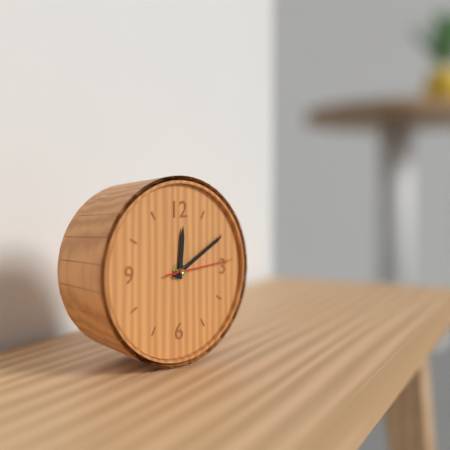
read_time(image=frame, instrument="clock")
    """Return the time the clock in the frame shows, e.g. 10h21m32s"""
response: 12h10m14s
